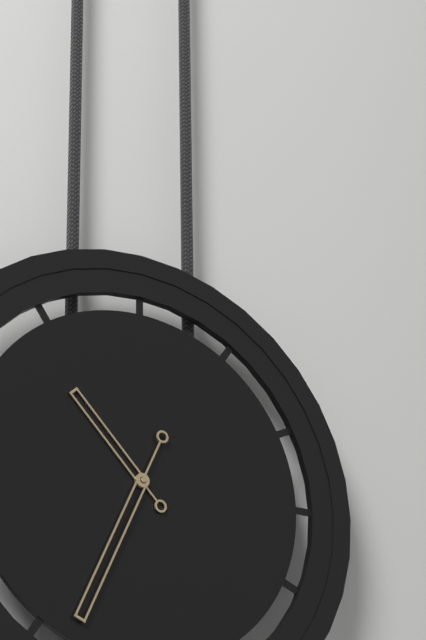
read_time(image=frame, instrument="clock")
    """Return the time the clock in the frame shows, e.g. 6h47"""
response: 10h34
